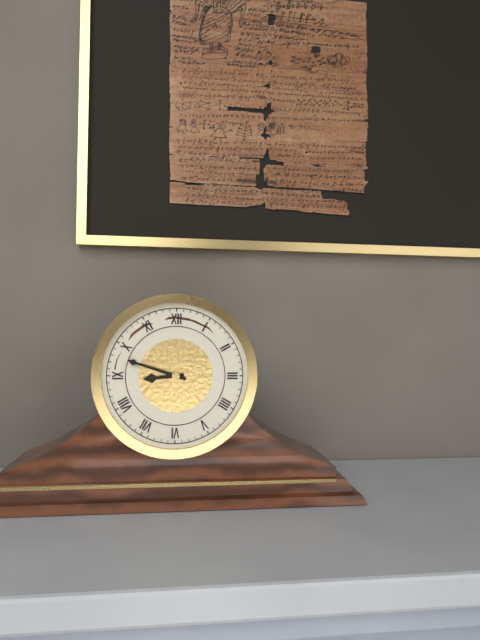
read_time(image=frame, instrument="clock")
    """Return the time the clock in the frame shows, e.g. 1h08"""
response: 8h48
